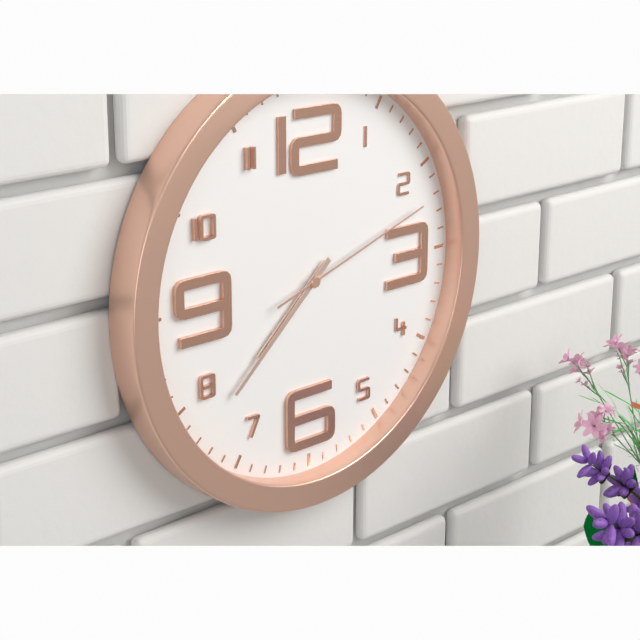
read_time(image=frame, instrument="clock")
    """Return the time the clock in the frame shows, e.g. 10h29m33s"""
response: 7h38m12s
